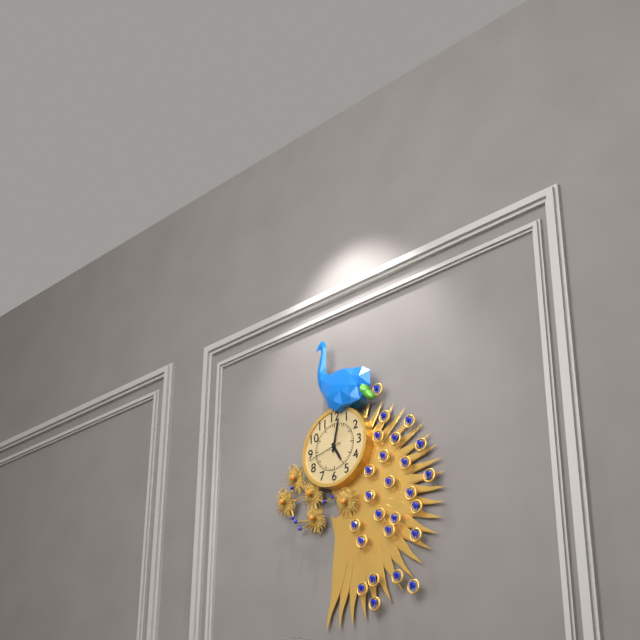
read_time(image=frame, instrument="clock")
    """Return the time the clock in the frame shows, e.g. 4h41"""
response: 5h02
